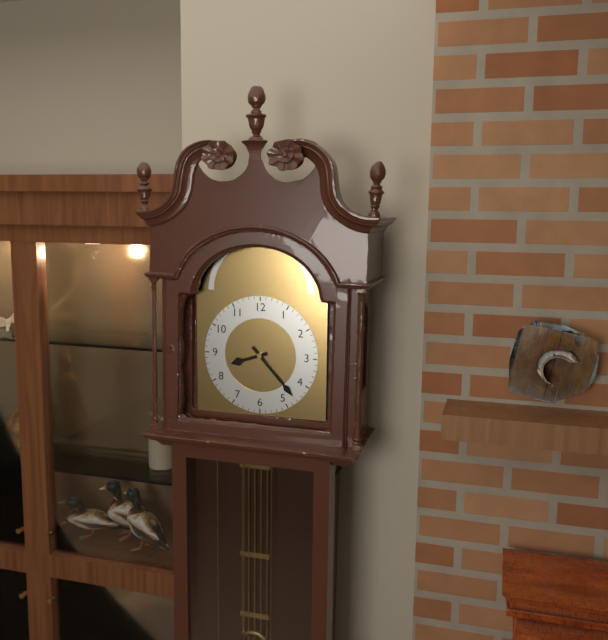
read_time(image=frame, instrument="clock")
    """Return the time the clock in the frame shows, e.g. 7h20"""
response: 8h23
